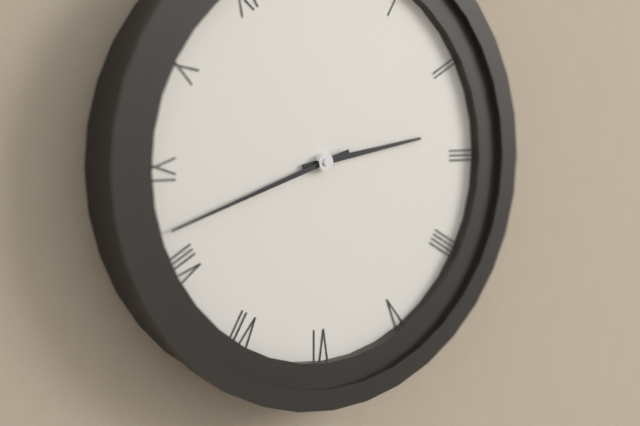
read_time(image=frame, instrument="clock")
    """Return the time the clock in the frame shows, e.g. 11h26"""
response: 2h42
